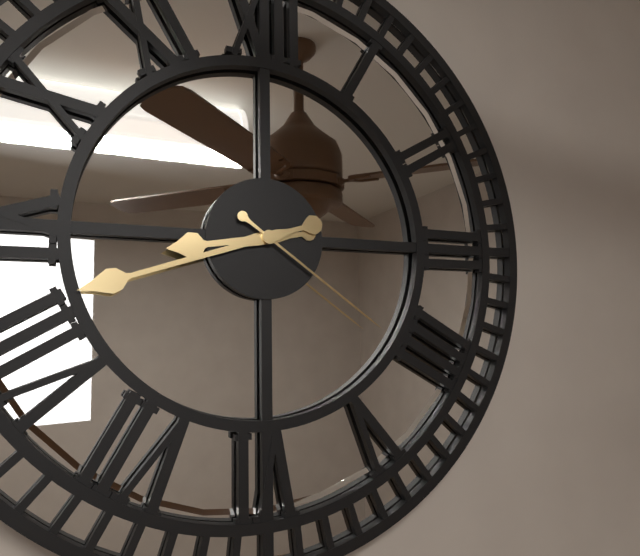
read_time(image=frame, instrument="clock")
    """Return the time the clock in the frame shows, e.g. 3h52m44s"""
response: 8h42m21s
